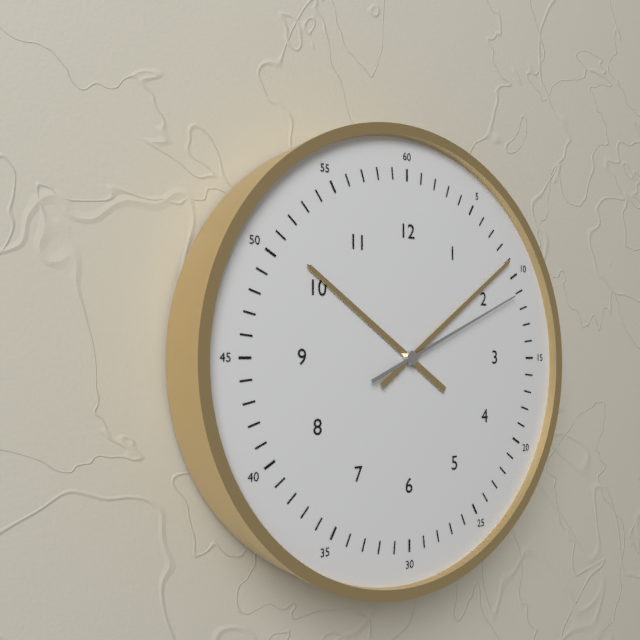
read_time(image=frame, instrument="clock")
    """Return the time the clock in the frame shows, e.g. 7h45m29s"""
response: 10h09m11s
